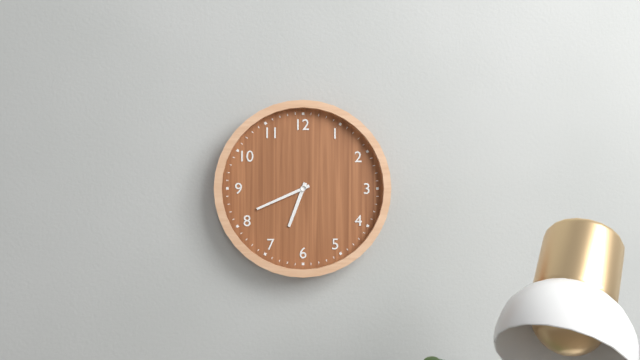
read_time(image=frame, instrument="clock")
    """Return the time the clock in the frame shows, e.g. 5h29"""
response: 6h41
